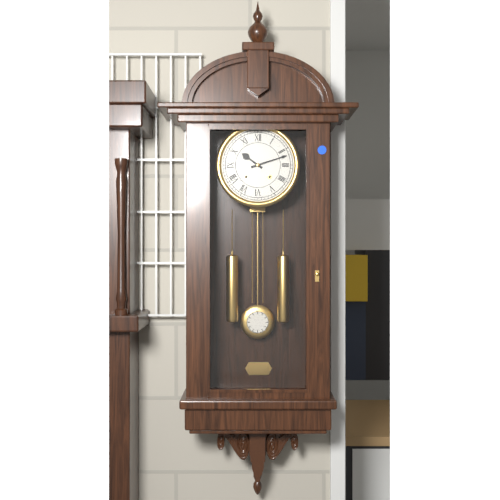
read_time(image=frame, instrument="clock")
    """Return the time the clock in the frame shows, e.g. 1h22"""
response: 10h12
